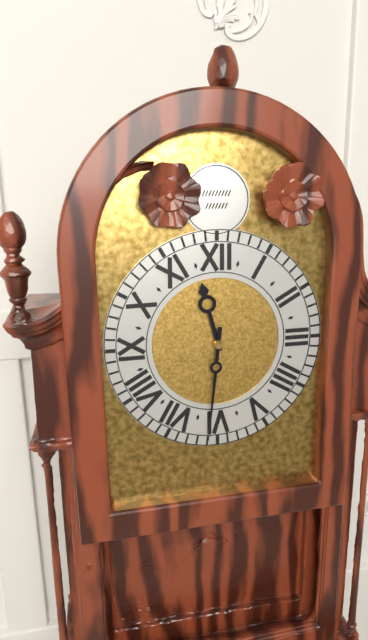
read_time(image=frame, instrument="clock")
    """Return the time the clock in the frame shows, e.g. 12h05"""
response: 11h31
